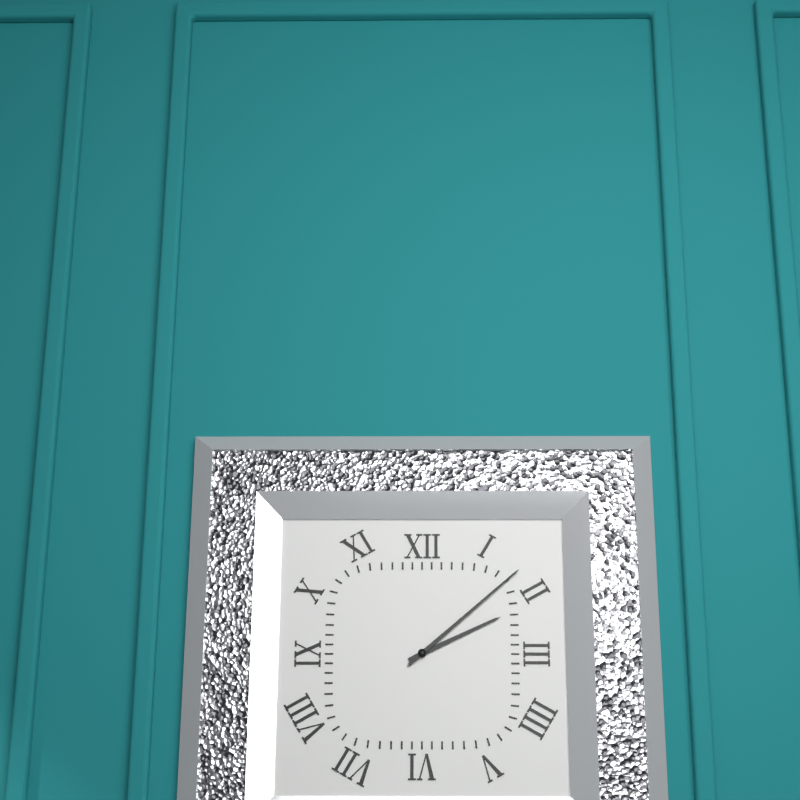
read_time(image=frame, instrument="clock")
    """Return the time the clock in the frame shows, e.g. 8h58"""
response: 2h08
